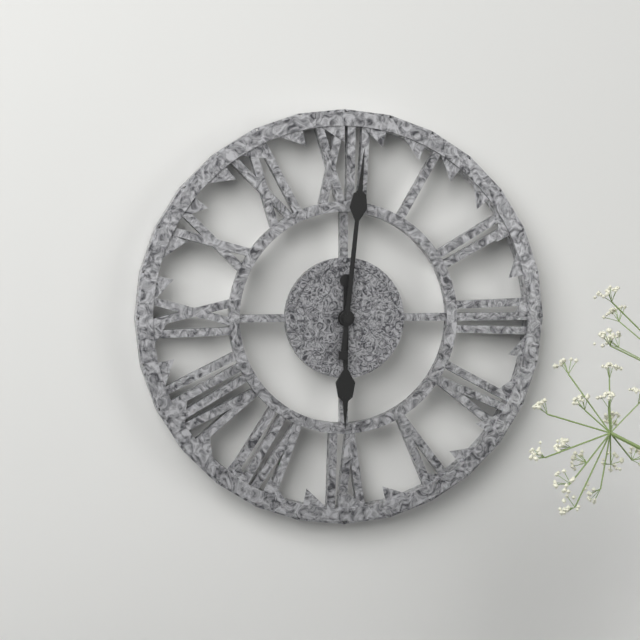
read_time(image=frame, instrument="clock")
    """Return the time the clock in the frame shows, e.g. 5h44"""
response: 6h01
